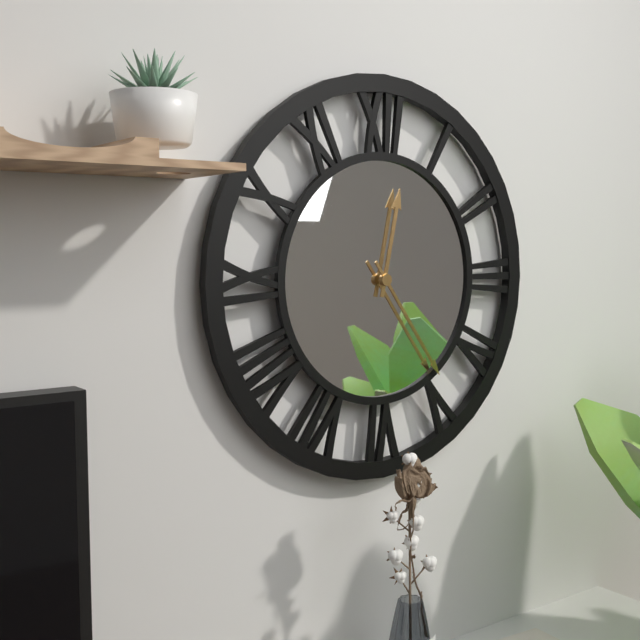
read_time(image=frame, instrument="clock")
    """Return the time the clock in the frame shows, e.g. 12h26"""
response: 12h24
